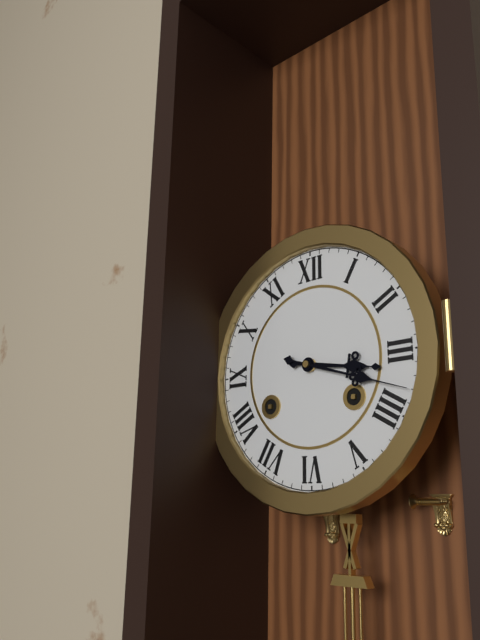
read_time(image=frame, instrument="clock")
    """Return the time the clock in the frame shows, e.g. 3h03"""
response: 3h18
